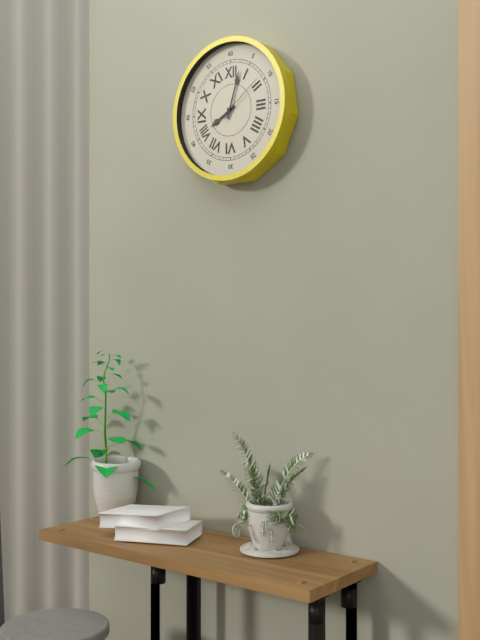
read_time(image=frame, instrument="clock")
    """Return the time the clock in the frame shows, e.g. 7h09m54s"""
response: 8h03m09s
